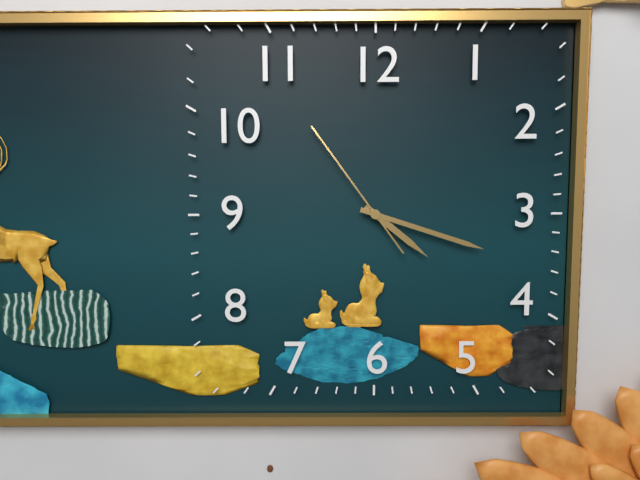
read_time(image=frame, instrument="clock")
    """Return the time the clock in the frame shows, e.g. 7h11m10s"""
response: 4h18m54s
